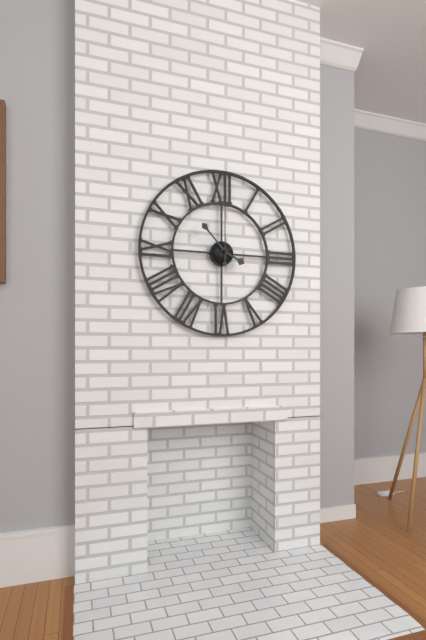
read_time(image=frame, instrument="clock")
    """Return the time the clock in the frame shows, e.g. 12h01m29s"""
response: 3h53m00s
